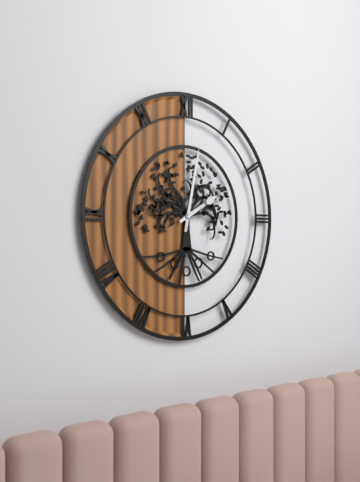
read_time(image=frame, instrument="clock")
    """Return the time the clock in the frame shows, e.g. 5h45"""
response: 2h02
